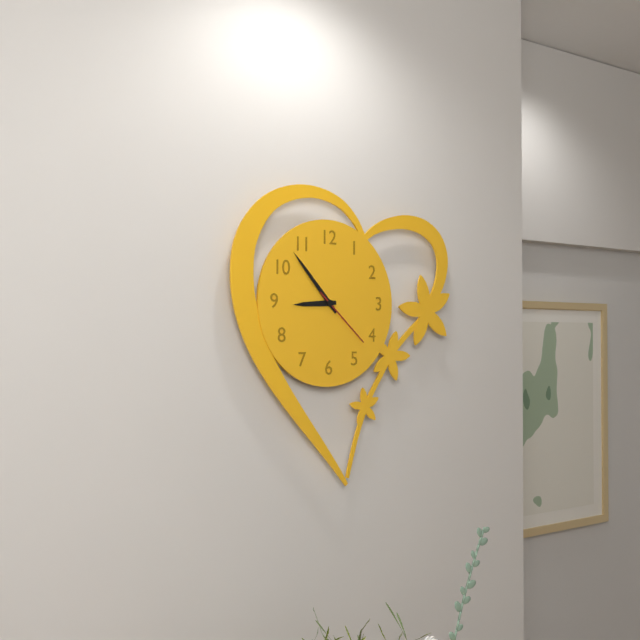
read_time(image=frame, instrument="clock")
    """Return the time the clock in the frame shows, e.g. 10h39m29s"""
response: 8h53m22s
